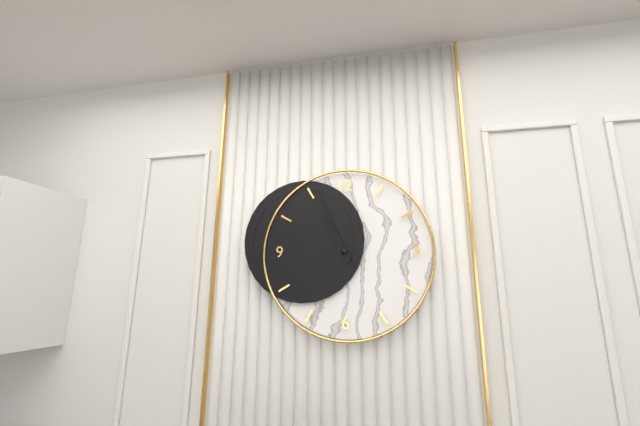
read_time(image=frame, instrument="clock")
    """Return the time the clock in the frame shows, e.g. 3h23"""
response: 10h56
